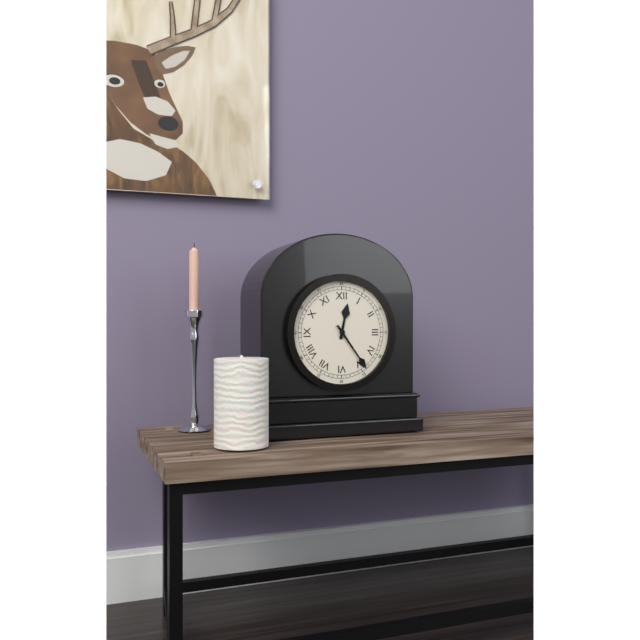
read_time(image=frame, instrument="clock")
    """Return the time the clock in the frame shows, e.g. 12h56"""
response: 12h24
